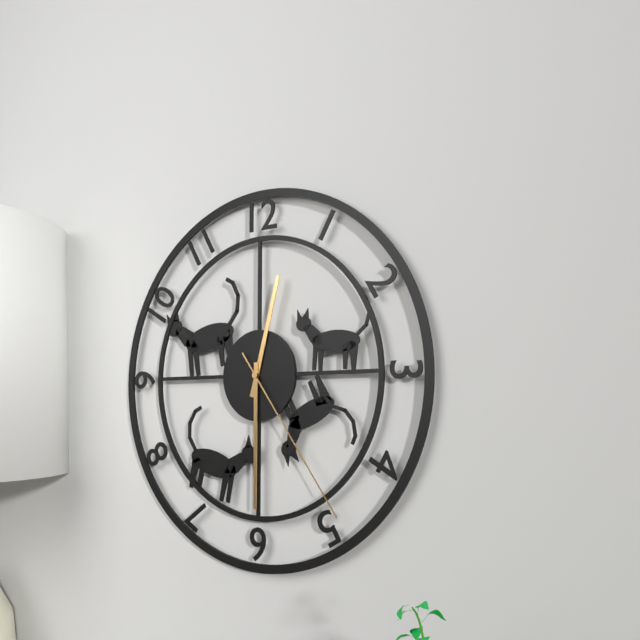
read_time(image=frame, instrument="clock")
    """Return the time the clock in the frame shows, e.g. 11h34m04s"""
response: 12h30m24s
